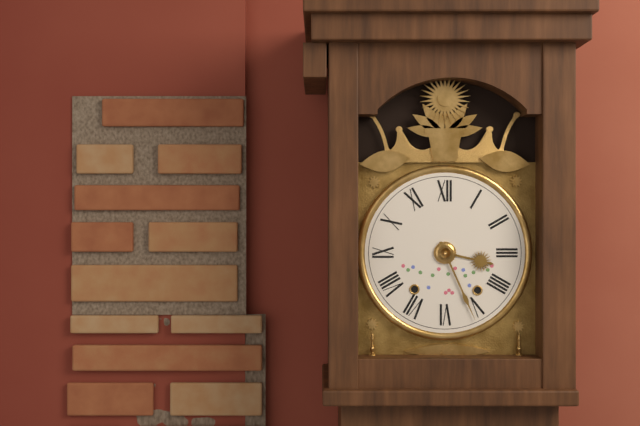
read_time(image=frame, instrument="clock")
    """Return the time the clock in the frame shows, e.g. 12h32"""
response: 3h26
